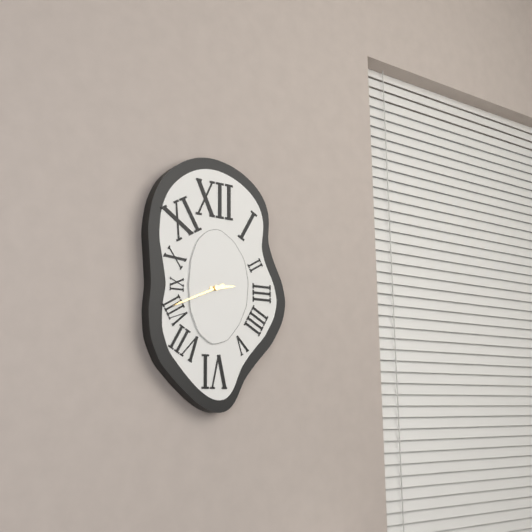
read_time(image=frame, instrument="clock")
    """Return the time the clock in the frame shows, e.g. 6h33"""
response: 2h41
